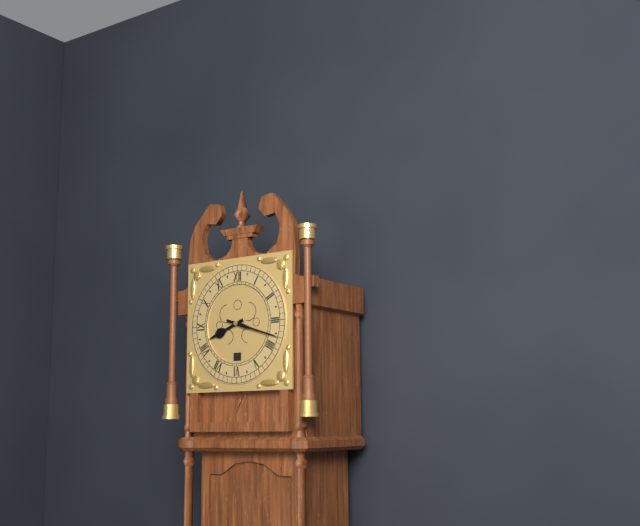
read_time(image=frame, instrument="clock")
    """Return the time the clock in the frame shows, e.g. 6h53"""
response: 8h18
